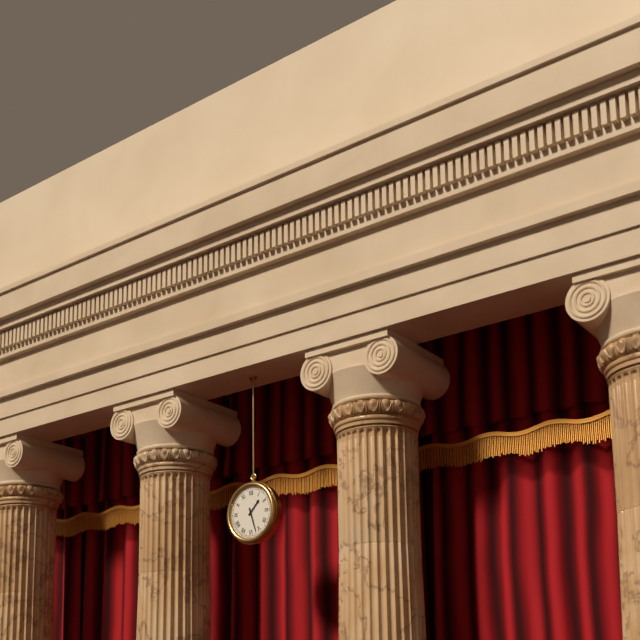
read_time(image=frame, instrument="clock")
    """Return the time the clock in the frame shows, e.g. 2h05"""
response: 1h27
